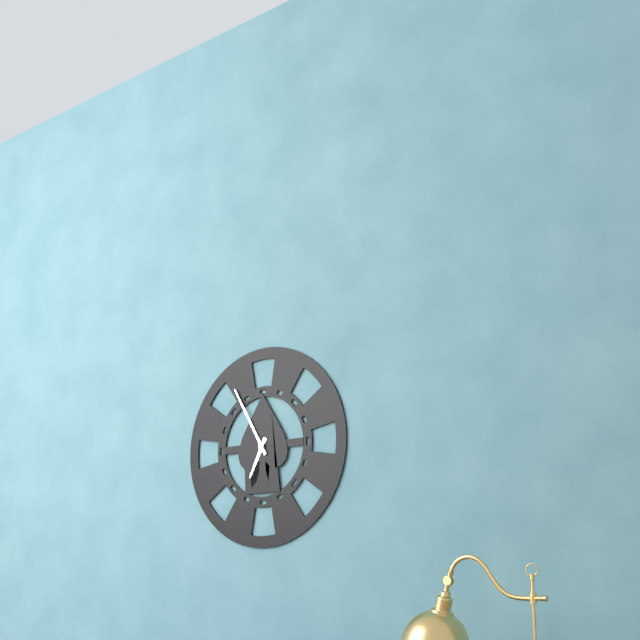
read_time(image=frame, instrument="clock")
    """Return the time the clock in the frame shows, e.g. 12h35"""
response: 6h55
